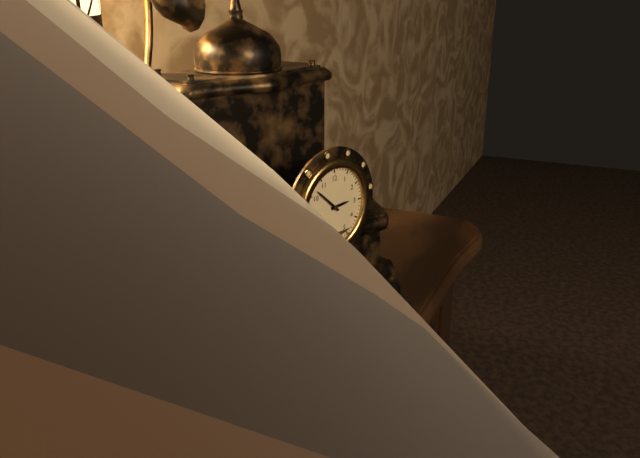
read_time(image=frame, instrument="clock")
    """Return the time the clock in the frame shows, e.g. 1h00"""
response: 2h52
